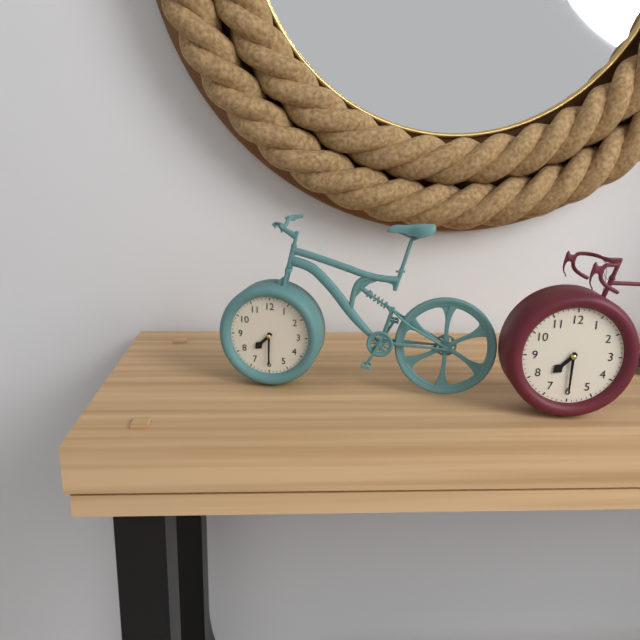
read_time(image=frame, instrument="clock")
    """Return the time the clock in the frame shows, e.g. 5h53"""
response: 7h30
